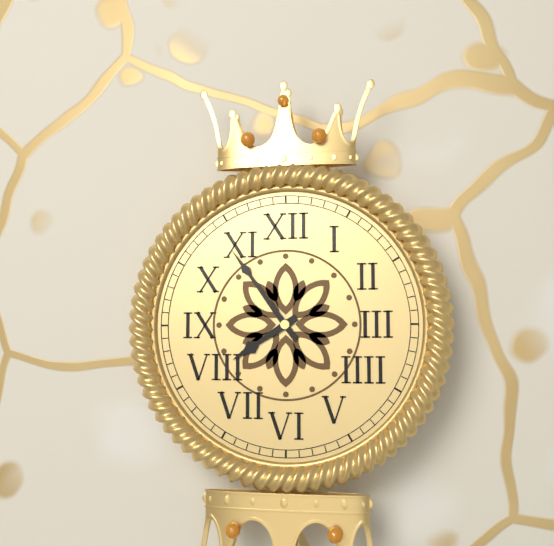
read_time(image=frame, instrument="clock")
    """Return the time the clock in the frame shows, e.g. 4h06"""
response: 7h54
